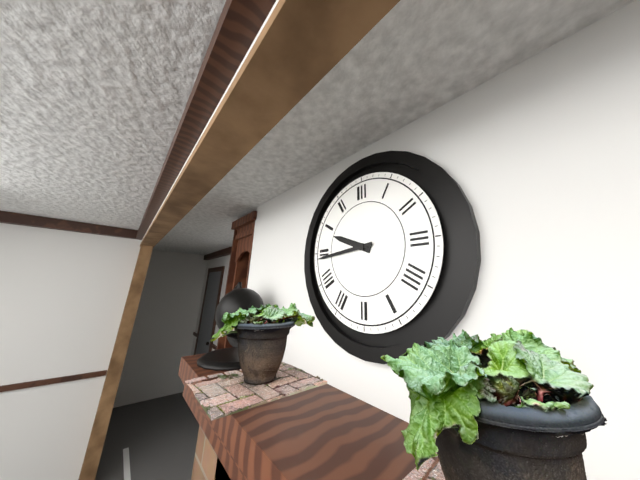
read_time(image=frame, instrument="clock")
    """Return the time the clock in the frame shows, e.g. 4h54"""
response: 9h44
